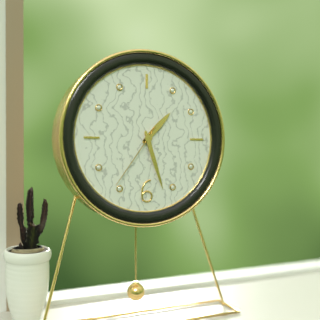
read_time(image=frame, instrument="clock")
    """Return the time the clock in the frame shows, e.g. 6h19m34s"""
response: 1h27m36s
